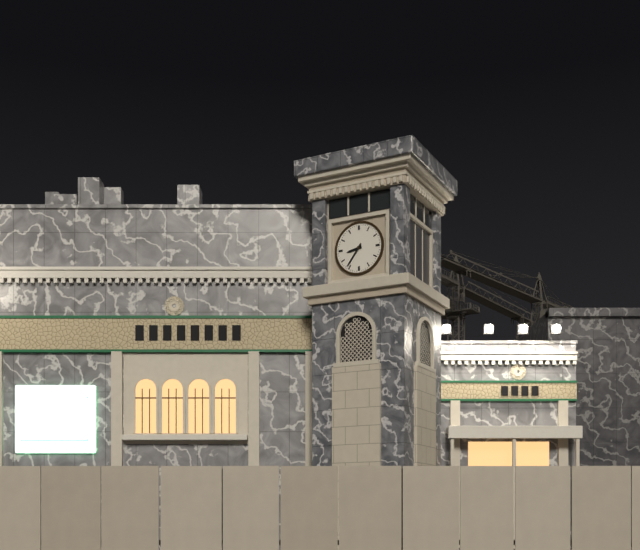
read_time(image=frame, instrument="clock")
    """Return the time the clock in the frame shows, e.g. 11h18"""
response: 8h36
